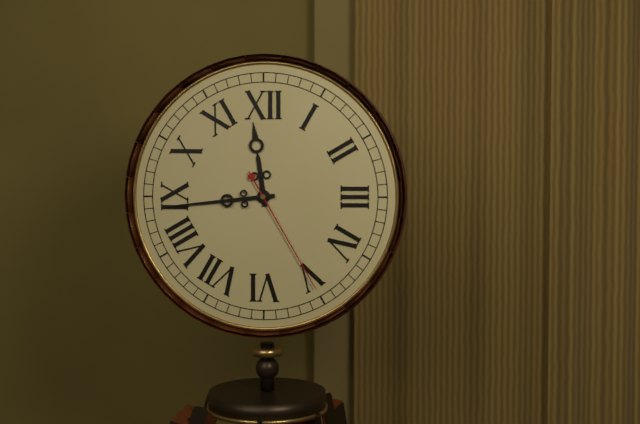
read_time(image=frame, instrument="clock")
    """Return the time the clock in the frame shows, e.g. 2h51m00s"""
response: 11h44m25s
